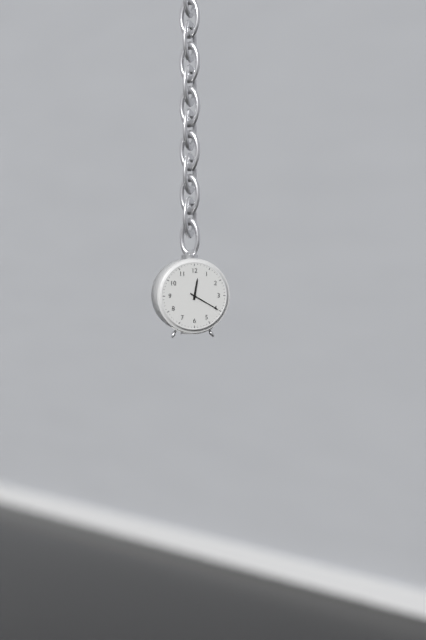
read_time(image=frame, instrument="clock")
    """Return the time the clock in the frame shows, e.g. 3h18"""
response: 12h20
